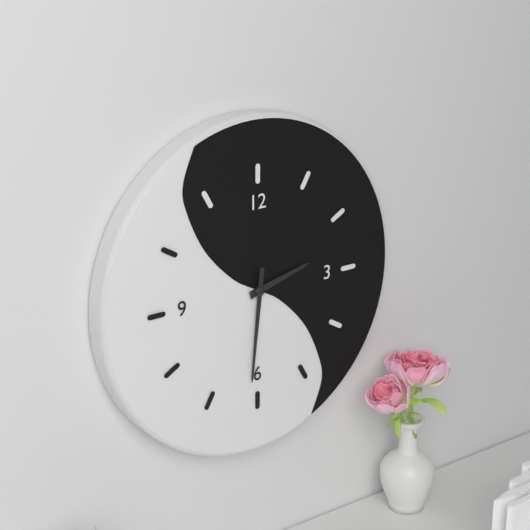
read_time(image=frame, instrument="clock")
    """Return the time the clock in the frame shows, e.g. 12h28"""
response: 2h31
